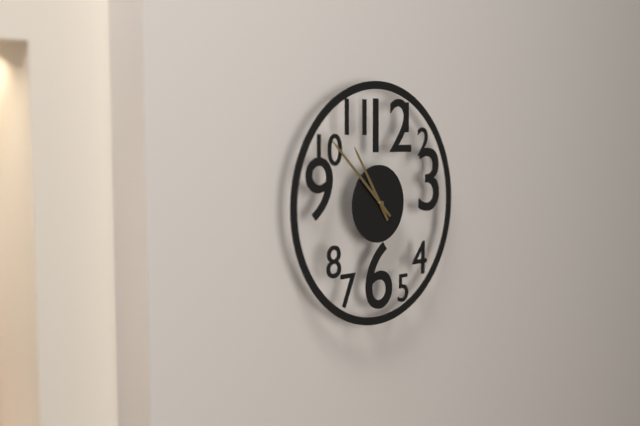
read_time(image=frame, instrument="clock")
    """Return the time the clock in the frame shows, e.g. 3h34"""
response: 10h52
